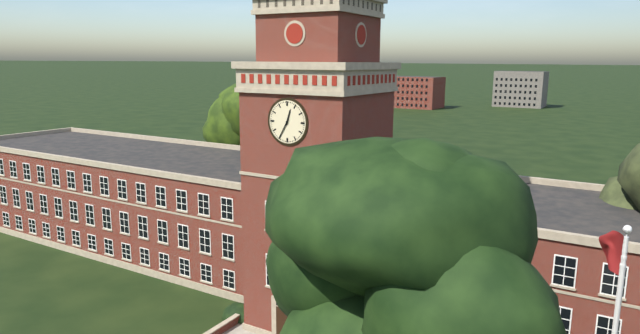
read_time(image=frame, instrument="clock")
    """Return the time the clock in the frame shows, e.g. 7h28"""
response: 12h35
